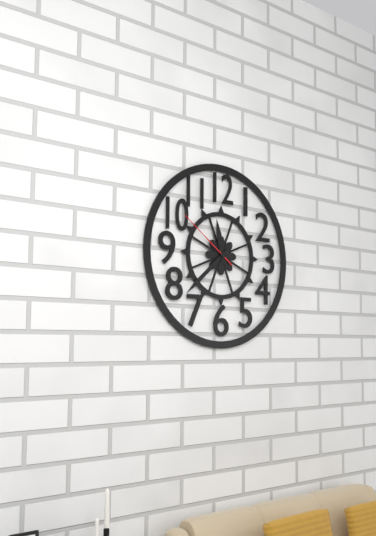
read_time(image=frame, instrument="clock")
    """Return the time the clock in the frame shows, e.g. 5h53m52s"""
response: 11h38m51s
